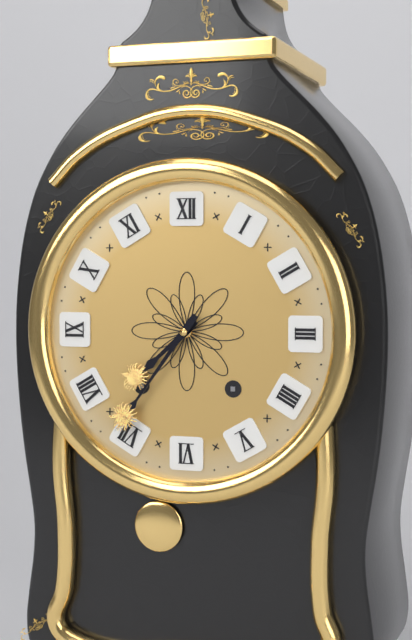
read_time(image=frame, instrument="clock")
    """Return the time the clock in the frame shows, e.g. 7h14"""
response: 7h36
